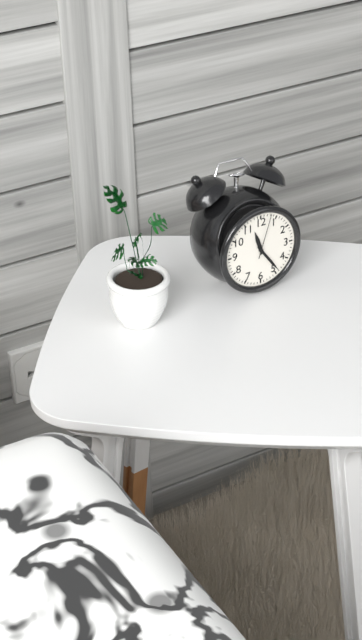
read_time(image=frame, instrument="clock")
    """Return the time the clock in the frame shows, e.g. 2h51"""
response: 11h24
